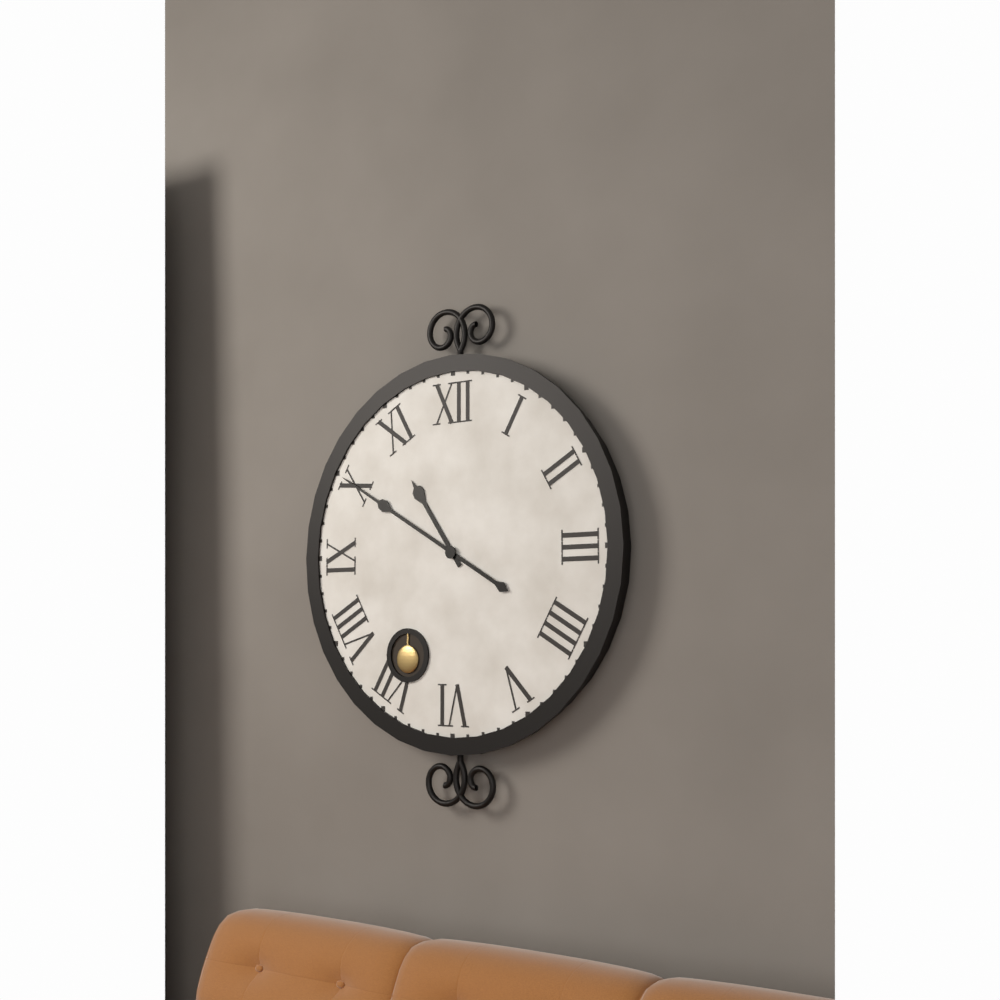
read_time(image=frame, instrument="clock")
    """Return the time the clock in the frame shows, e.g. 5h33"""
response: 10h50
